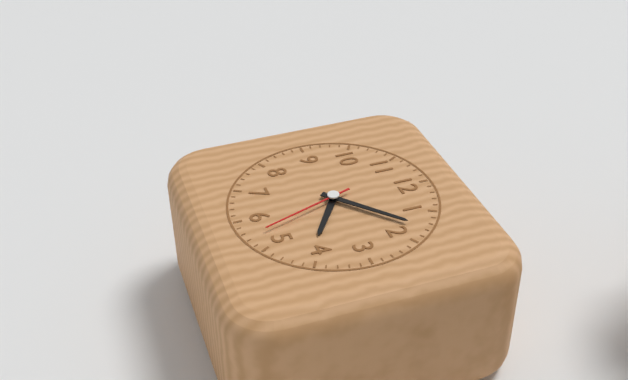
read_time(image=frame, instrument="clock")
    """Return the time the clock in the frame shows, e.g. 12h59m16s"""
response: 4h08m27s
